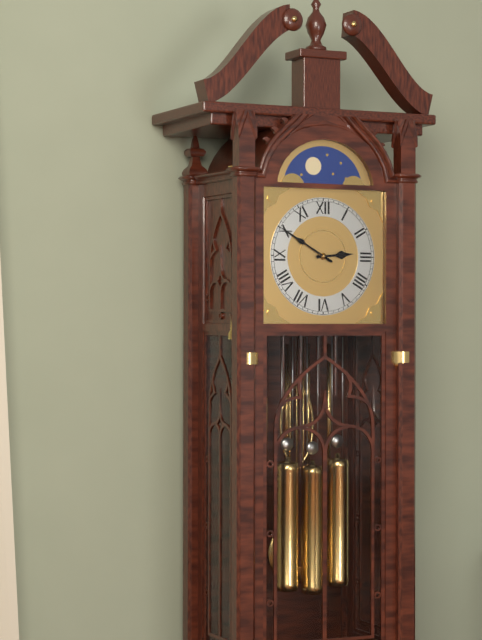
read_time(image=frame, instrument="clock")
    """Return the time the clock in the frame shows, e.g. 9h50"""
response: 2h50
